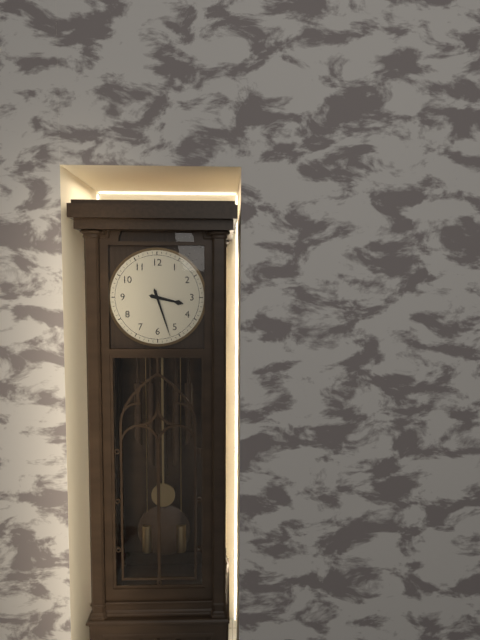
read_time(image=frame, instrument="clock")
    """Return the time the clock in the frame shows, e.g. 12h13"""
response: 3h27
